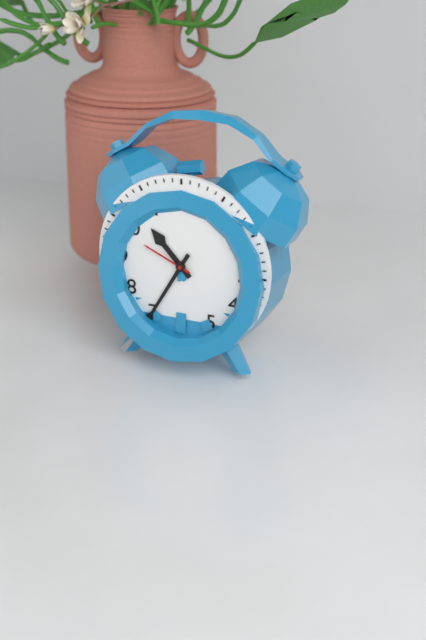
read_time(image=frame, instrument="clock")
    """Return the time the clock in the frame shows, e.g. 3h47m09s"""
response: 10h35m49s
